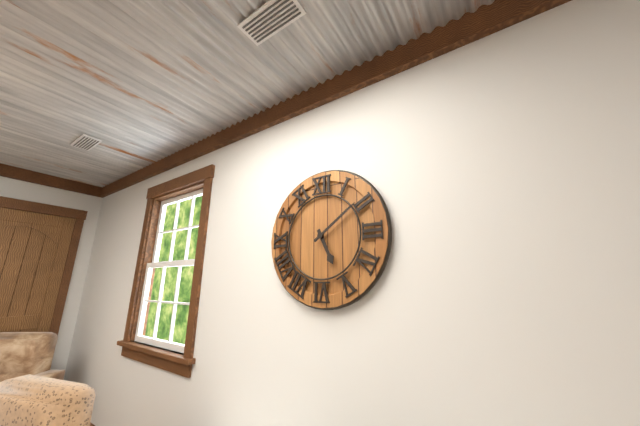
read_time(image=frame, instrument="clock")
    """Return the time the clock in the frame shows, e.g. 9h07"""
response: 5h09
